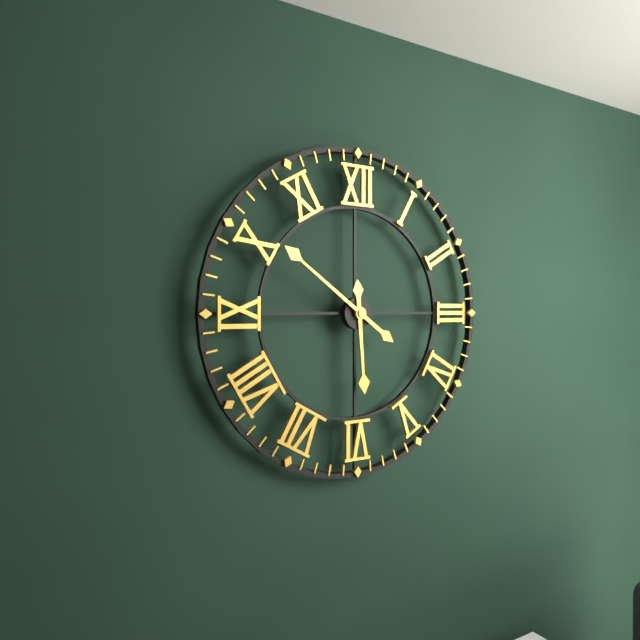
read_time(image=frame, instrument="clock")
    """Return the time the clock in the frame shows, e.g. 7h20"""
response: 5h51
